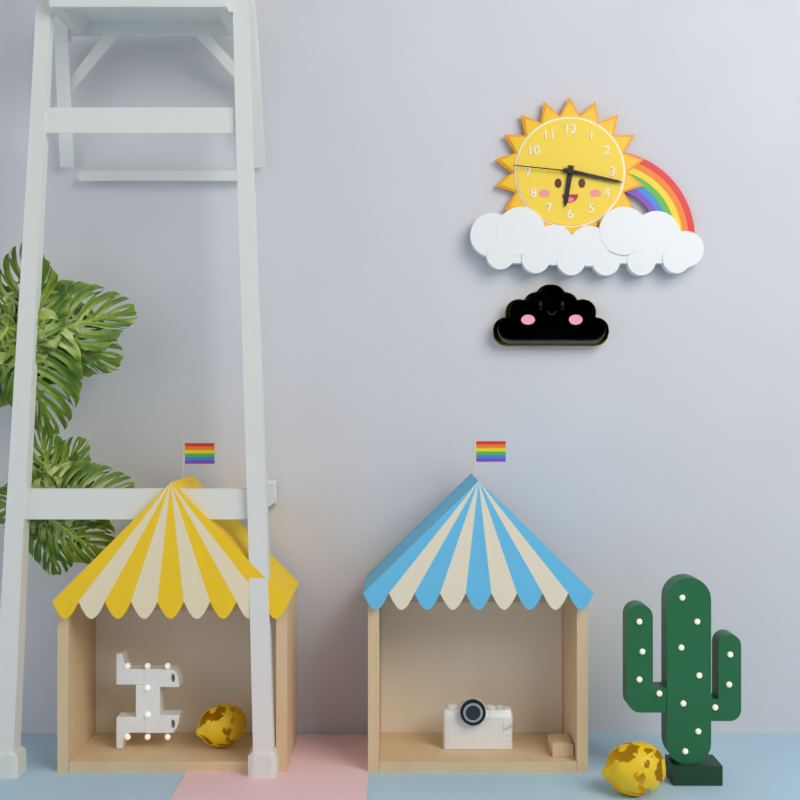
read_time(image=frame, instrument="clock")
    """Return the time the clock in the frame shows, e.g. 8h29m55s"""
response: 6h17m46s
